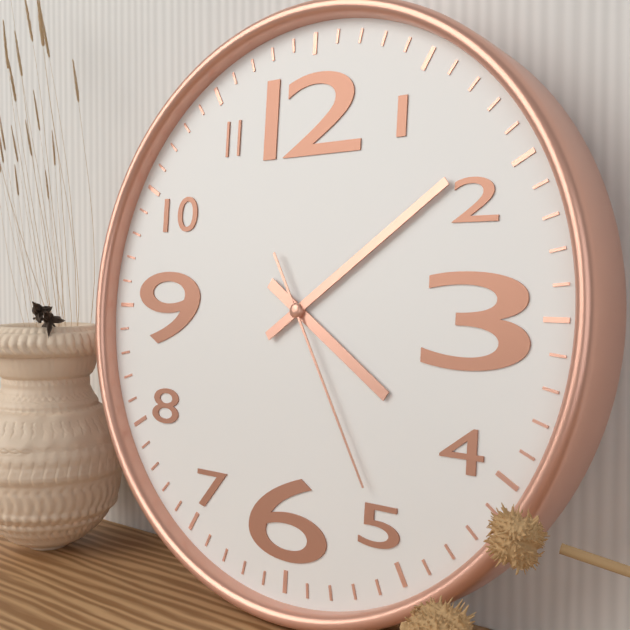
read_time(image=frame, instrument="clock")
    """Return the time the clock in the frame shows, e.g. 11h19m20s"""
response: 4h09m25s
